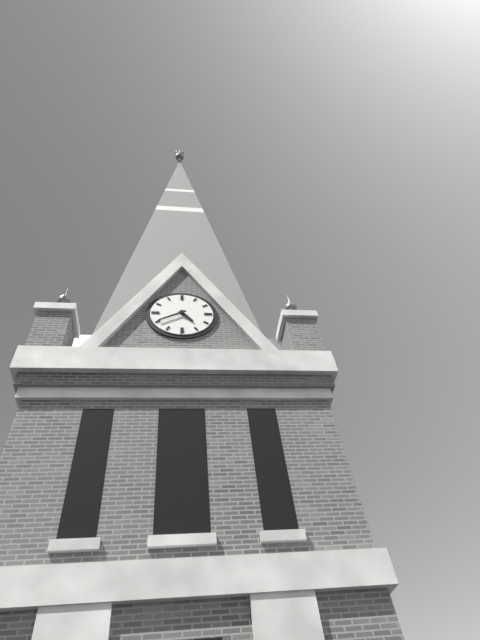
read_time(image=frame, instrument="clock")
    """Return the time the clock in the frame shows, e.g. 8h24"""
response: 4h40
